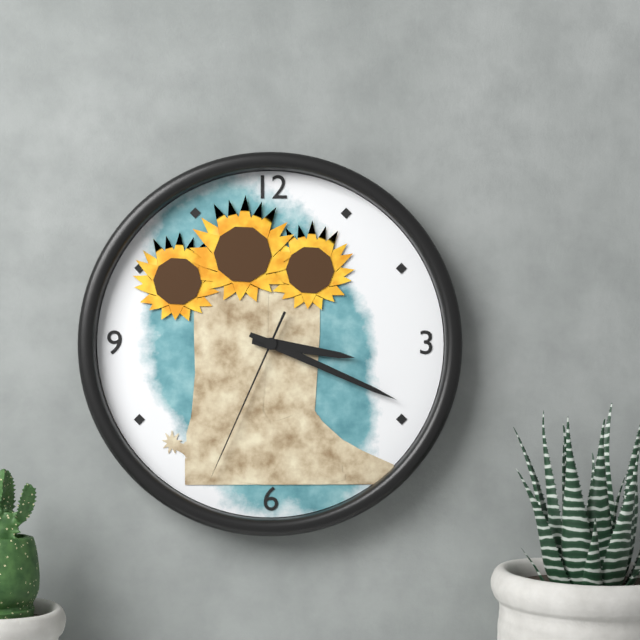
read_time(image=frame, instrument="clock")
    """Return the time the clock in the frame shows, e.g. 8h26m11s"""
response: 3h19m34s
